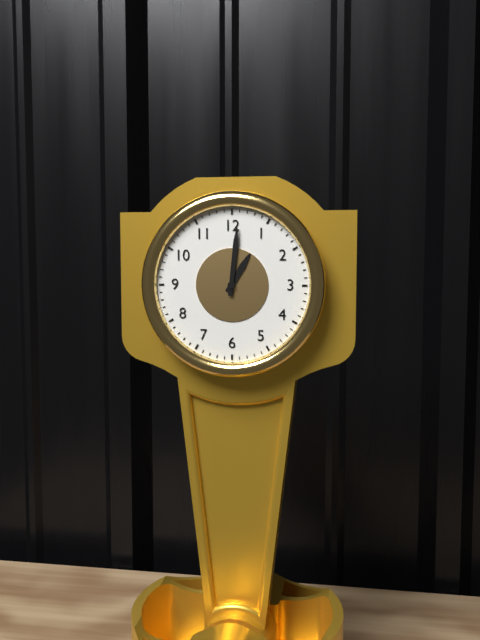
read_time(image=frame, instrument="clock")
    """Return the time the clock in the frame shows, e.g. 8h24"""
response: 1h01
